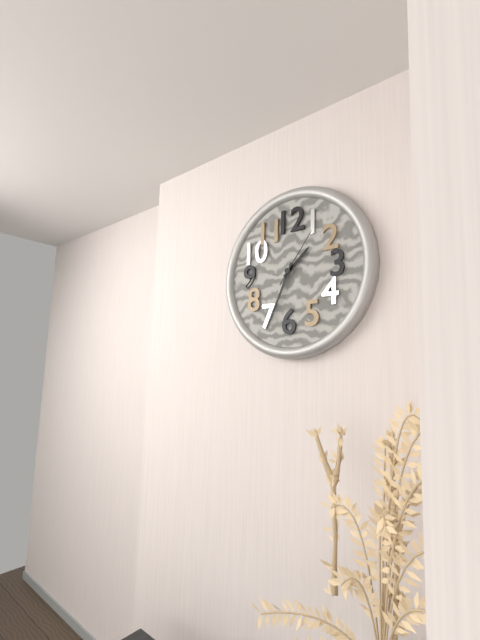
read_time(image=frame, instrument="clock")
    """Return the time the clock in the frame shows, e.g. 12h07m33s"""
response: 1h34m06s
